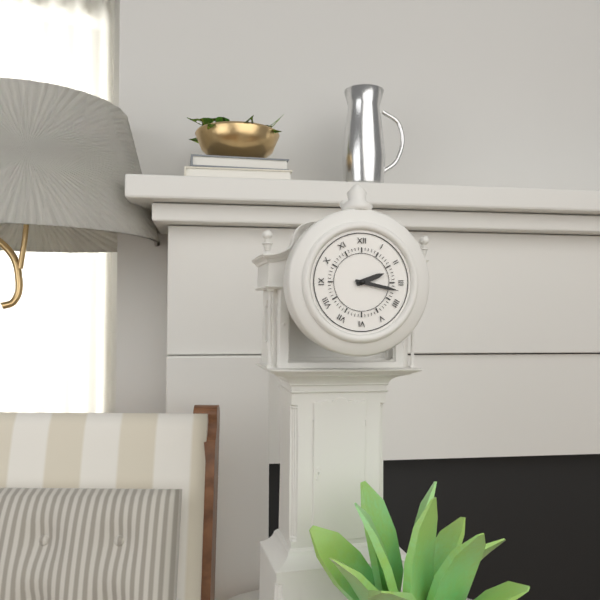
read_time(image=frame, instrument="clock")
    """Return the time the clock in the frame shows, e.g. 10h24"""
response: 2h17
